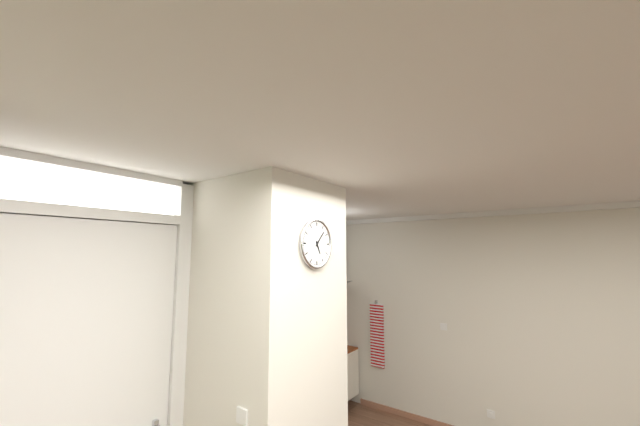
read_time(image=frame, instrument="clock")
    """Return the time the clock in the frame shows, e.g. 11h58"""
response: 5h07
